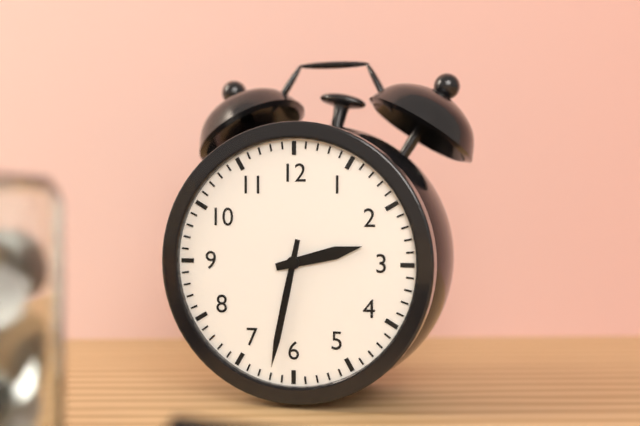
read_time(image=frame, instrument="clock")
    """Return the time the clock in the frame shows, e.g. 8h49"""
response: 2h32
